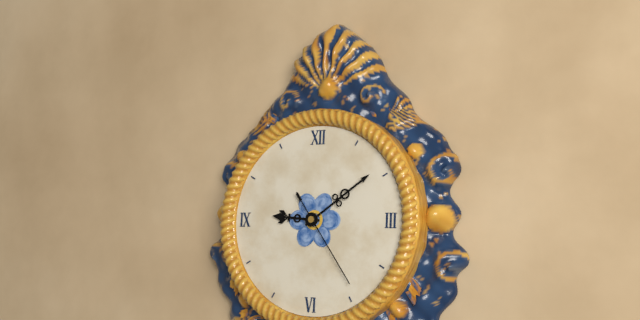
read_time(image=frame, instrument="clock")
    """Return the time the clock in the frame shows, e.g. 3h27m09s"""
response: 9h09m24s
